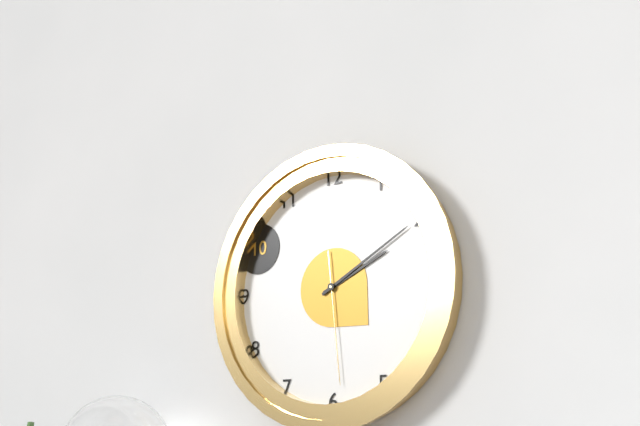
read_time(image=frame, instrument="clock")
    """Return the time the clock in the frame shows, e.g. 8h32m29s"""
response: 2h10m29s
